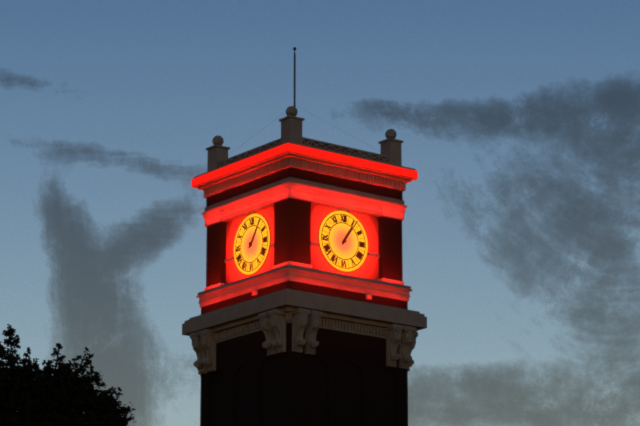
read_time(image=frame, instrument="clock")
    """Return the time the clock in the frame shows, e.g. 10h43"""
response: 1h06
